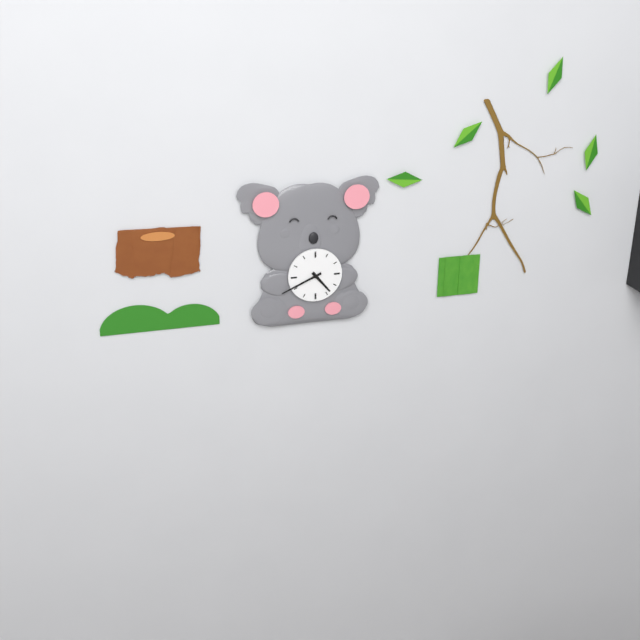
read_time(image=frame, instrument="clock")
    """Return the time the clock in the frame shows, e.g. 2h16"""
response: 4h41
